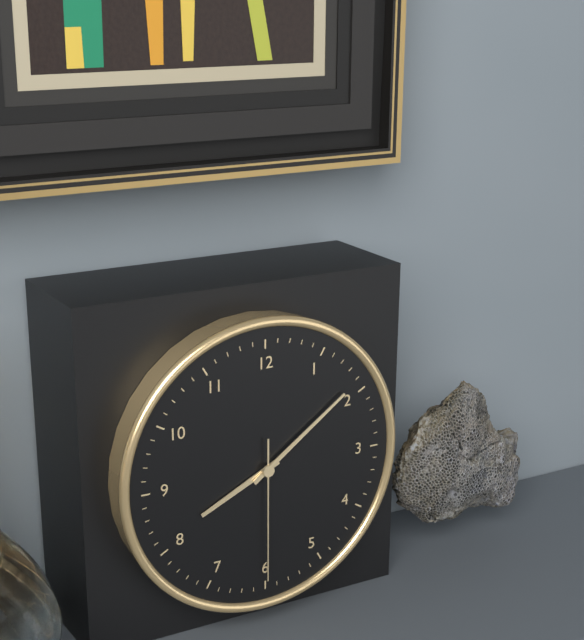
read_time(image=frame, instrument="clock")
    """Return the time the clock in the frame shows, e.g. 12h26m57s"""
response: 8h09m30s
